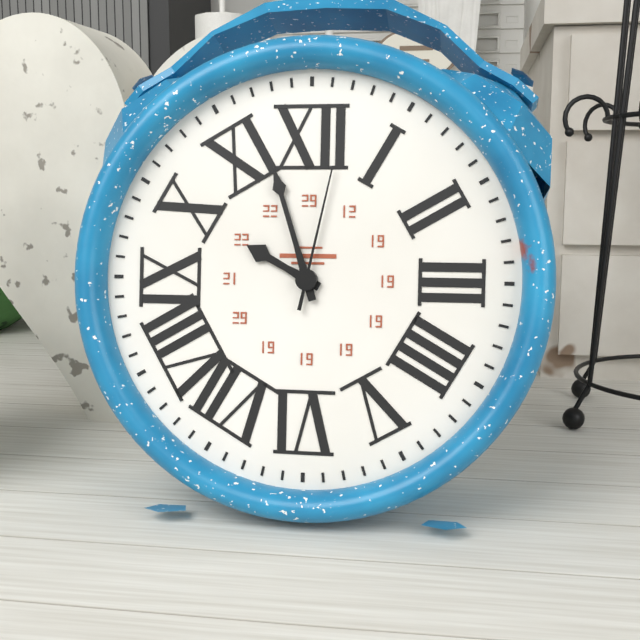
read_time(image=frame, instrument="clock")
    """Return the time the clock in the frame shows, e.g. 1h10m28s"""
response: 9h57m02s
